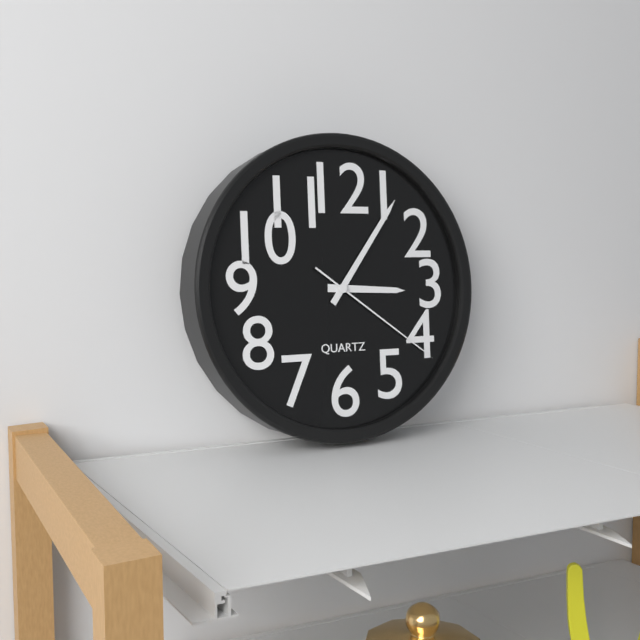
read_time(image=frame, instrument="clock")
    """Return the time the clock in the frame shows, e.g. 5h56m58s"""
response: 3h06m21s
